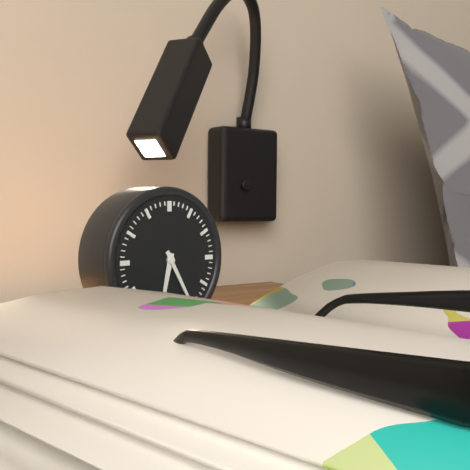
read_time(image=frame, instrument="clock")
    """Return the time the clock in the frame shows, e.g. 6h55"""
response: 6h25
